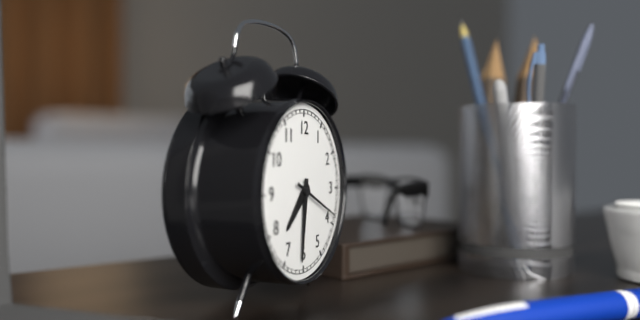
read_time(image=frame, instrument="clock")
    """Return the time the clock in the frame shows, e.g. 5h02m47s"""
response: 7h31m19s
